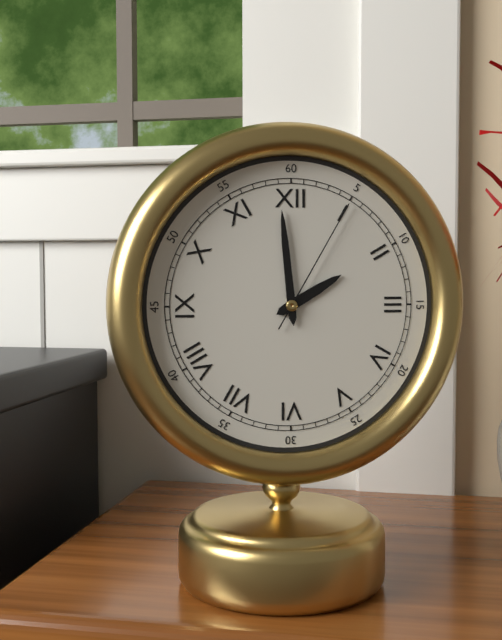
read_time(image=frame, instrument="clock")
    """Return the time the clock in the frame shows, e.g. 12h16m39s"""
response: 1h59m05s
